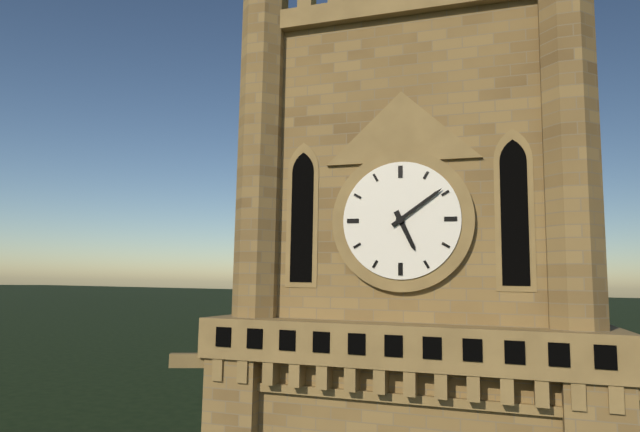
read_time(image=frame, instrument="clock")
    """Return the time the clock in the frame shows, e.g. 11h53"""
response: 5h09
